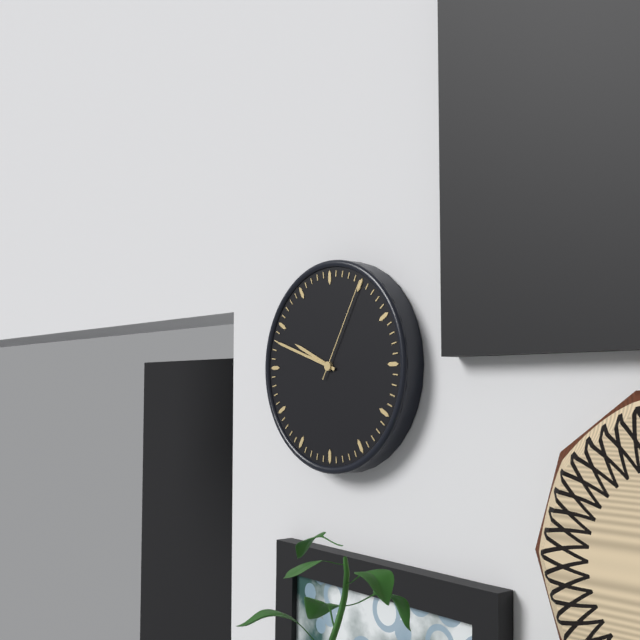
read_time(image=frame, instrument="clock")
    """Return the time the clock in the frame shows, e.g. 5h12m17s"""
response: 9h48m05s
